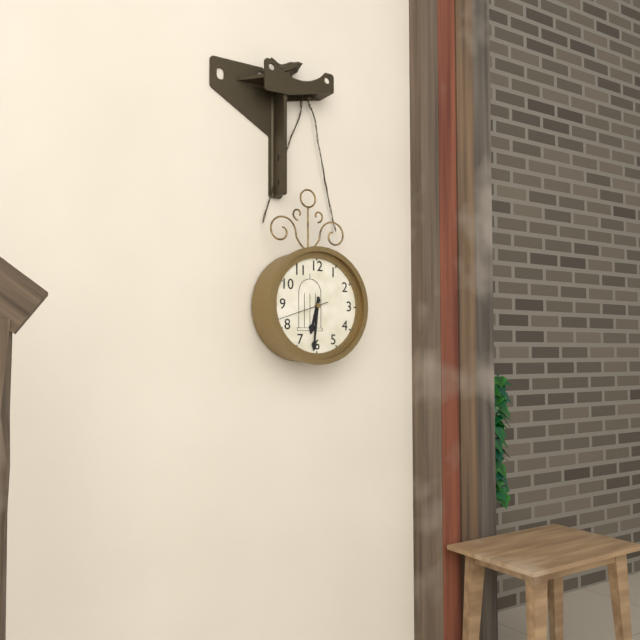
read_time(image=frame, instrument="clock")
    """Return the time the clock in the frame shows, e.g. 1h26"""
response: 6h31
